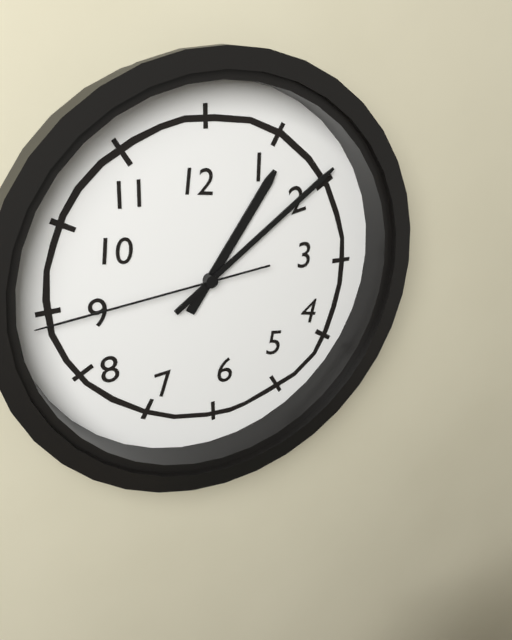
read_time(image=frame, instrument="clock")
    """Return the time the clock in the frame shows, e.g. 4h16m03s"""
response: 1h09m44s
